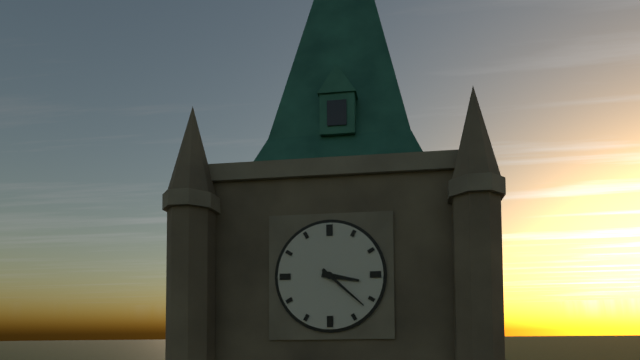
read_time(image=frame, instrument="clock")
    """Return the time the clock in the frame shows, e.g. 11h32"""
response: 3h22
